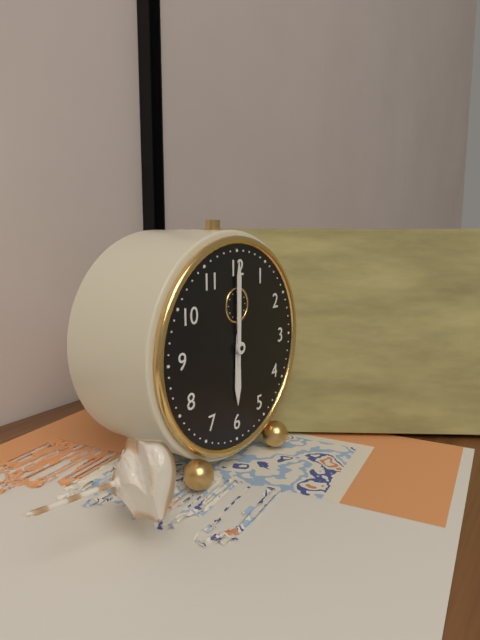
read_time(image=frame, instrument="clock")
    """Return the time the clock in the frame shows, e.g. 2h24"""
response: 6h00
